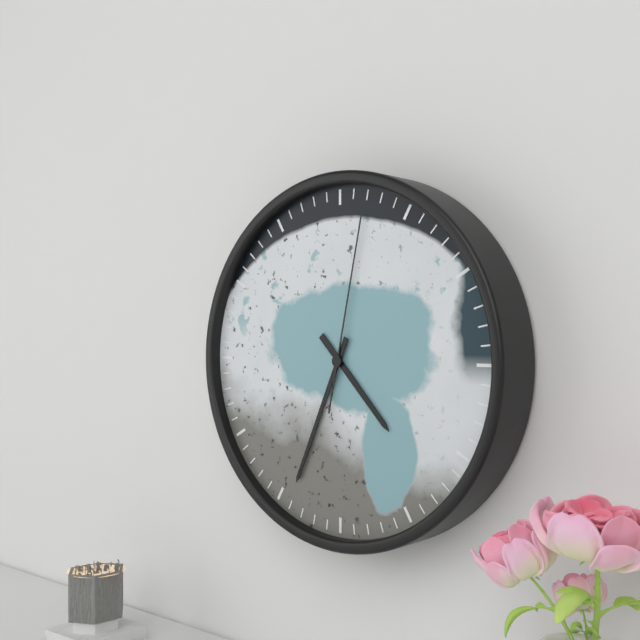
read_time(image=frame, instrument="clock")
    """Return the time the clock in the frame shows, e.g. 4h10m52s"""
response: 4h34m02s
